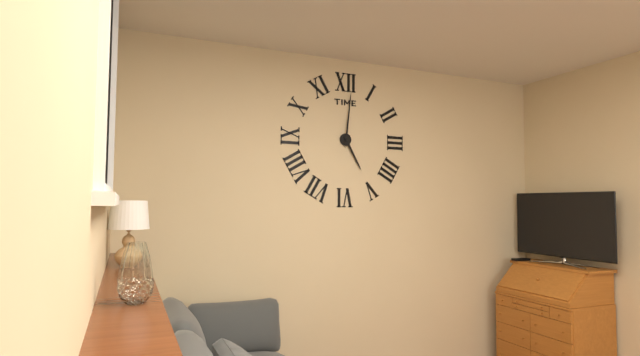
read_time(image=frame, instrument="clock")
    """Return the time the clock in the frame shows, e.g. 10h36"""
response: 5h01
